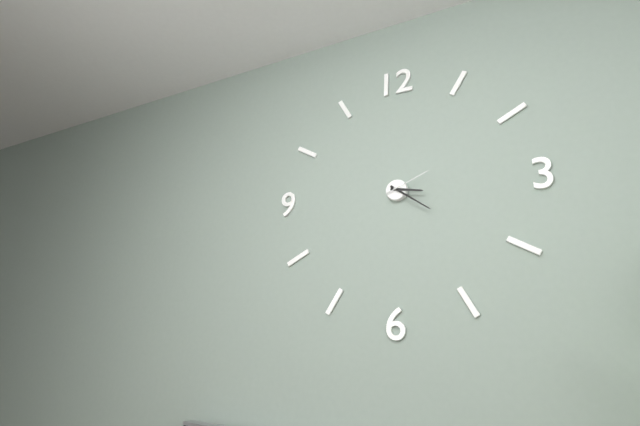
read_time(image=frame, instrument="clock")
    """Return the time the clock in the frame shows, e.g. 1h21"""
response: 3h21
